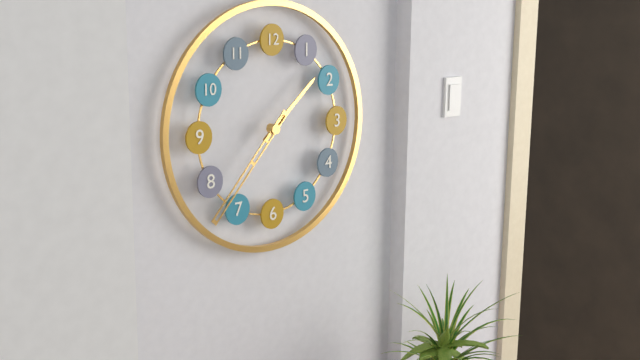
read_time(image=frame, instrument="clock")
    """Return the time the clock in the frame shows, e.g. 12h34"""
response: 1h37
